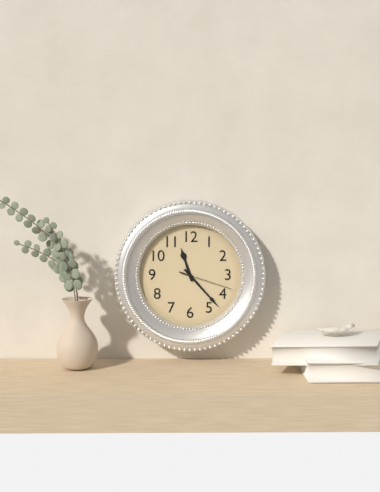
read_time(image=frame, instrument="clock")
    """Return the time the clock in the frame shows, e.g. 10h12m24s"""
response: 11h23m18s
